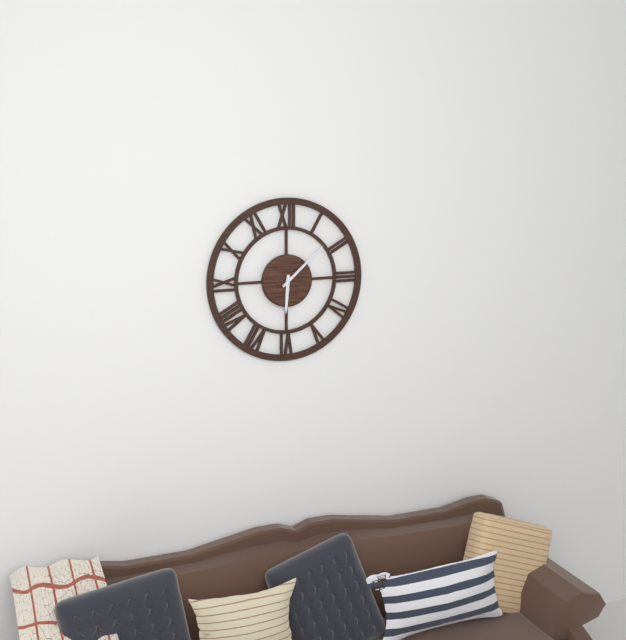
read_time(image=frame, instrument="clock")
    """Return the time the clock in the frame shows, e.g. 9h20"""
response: 6h08
